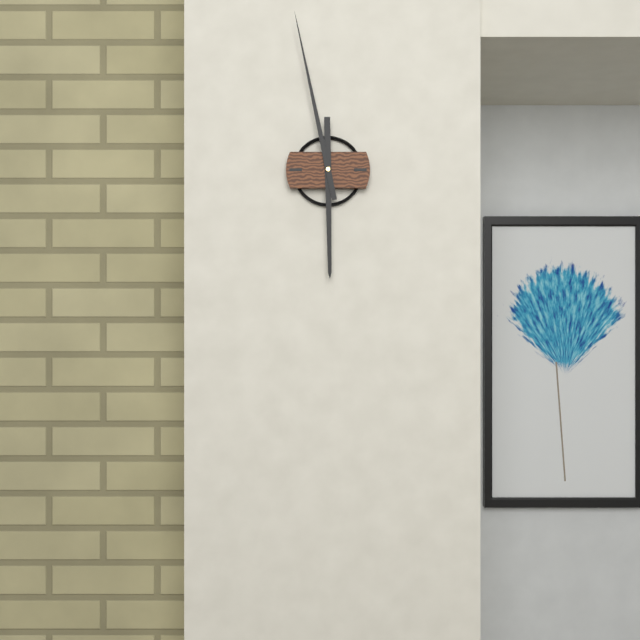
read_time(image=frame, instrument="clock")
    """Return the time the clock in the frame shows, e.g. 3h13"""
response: 5h58
